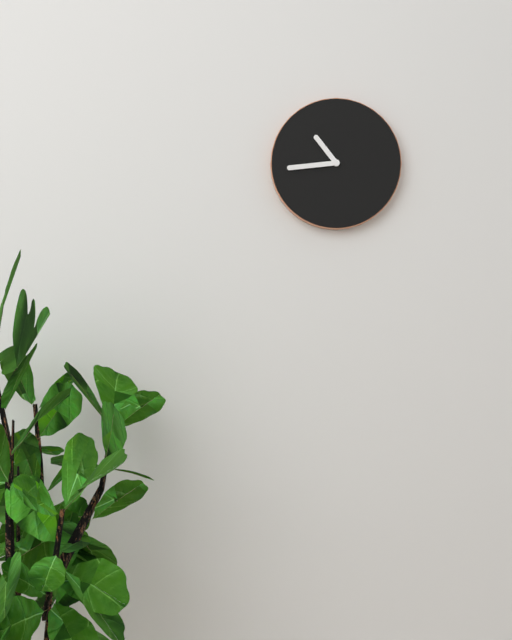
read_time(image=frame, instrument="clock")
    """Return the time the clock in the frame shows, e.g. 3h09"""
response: 10h44
